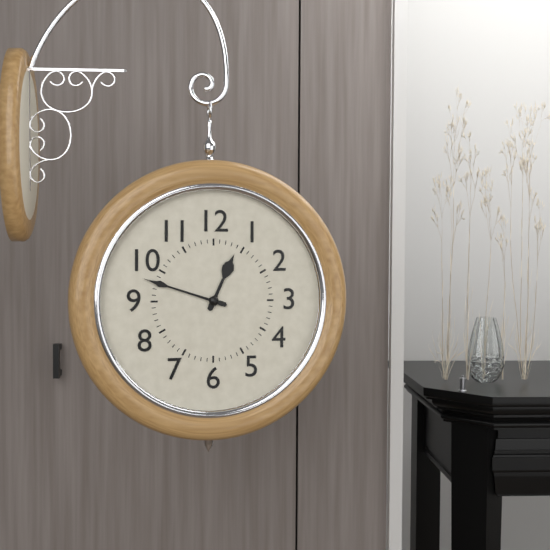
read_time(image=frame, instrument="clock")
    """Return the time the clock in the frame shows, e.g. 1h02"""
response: 12h48
